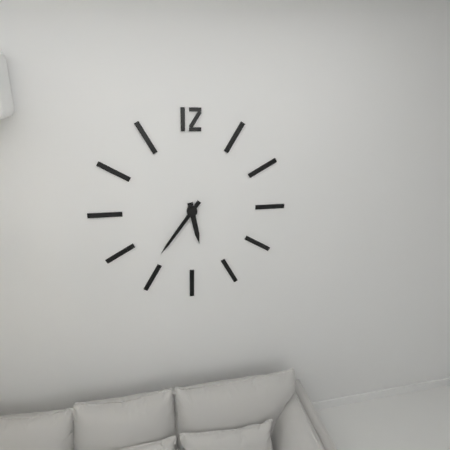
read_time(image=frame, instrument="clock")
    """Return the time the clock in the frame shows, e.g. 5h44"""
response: 5h36
